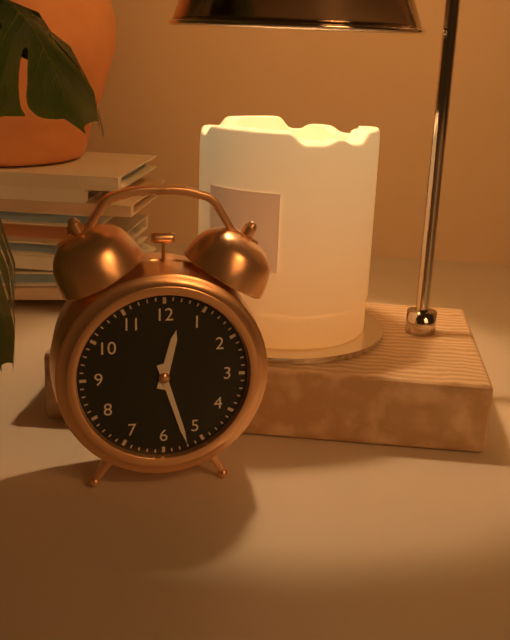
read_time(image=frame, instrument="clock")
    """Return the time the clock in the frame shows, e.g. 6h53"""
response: 12h27
